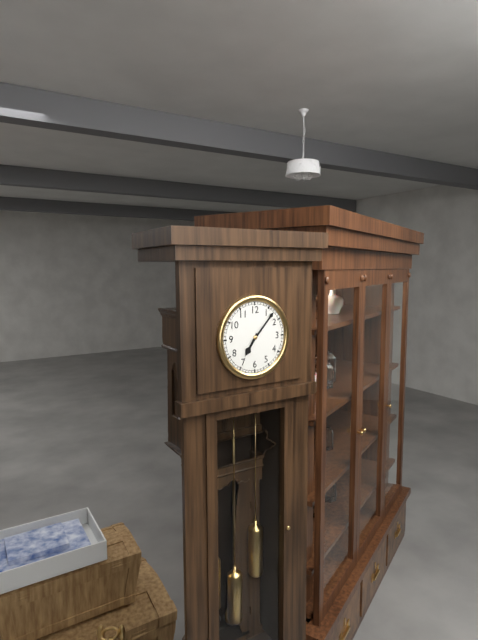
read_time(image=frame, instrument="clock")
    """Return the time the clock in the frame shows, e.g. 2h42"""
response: 7h07
